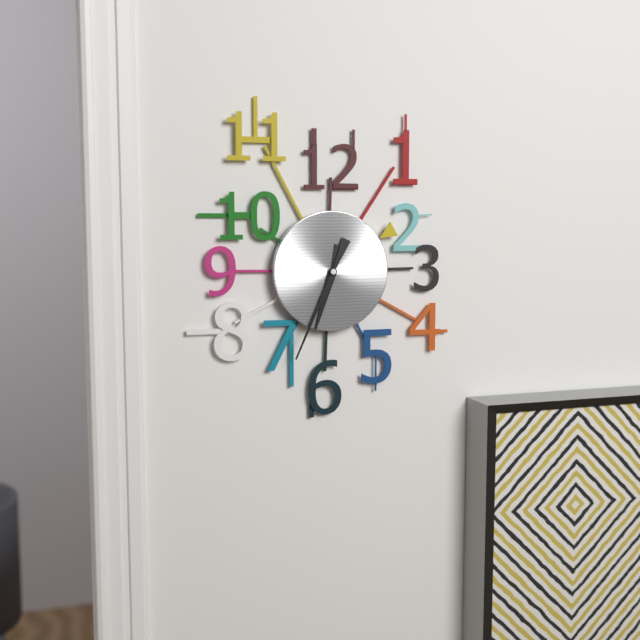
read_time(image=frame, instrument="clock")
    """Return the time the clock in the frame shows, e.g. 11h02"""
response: 6h34
